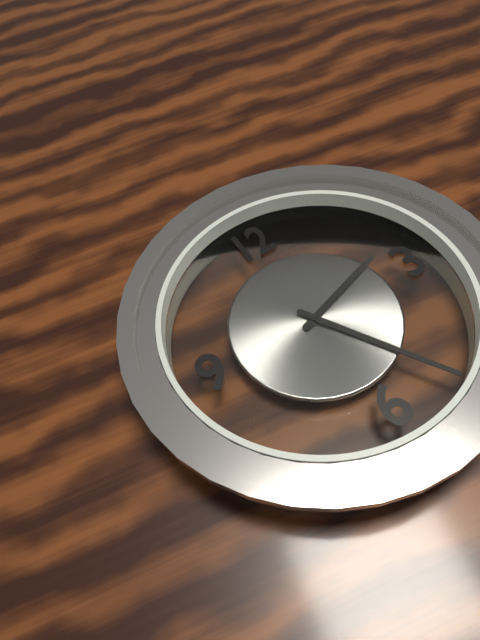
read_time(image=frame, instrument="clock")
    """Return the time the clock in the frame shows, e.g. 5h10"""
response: 2h25
